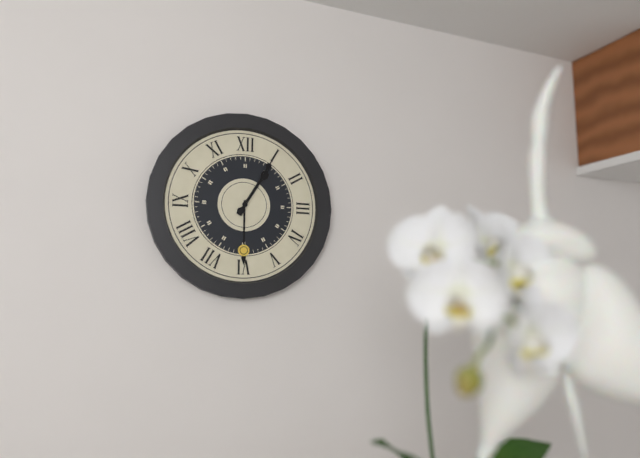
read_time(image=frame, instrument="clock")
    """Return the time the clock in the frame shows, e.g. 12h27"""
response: 1h05
